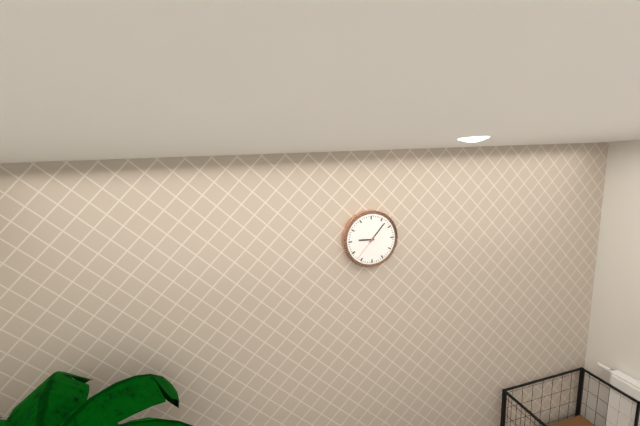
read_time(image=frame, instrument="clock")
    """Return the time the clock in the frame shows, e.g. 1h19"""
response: 9h07
